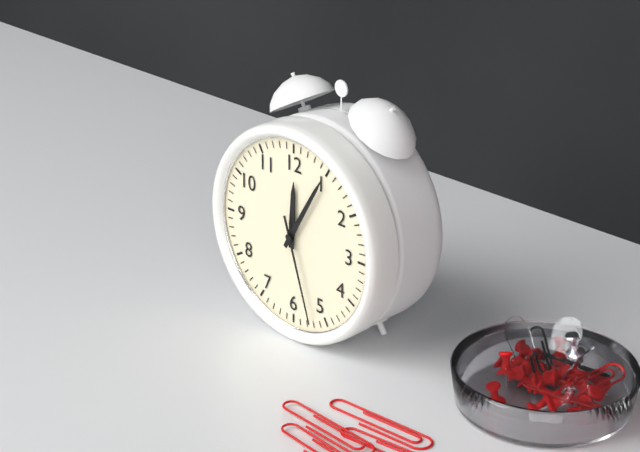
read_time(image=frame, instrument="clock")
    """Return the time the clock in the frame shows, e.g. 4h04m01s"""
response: 12h05m27s
